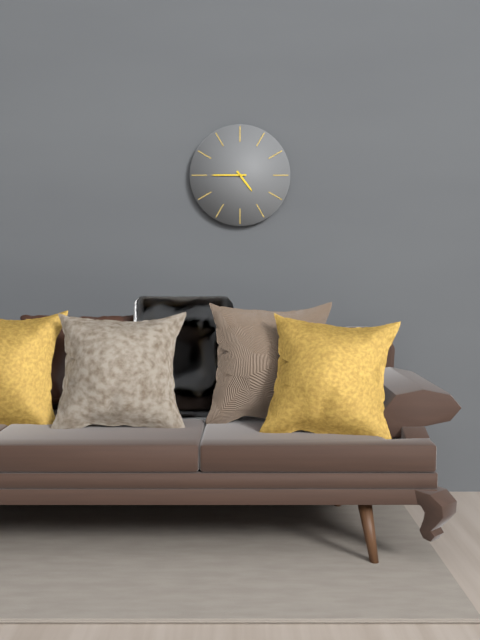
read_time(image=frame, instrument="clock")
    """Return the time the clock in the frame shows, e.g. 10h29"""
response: 4h45
